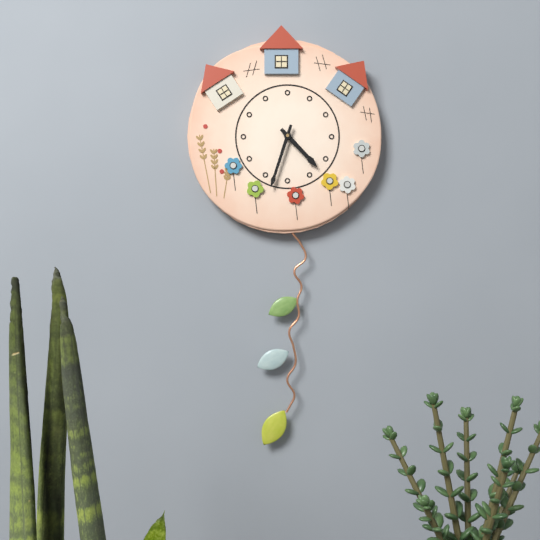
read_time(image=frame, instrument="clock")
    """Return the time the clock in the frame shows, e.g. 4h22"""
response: 4h33
